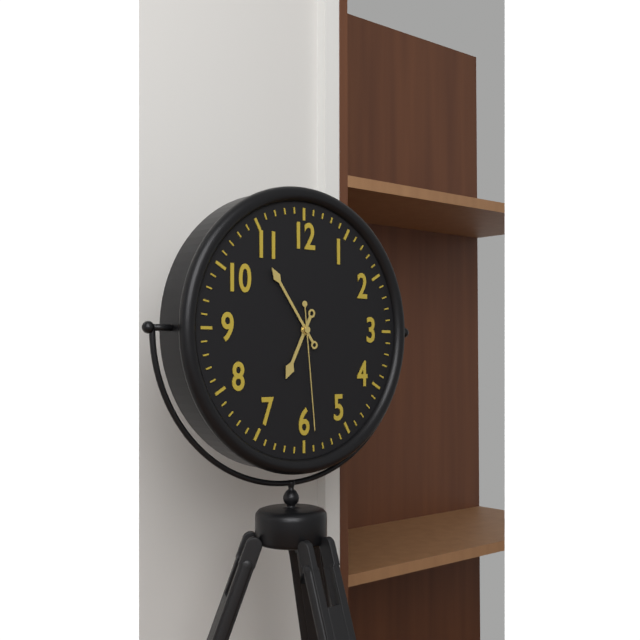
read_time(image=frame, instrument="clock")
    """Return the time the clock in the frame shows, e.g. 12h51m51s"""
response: 6h54m29s
